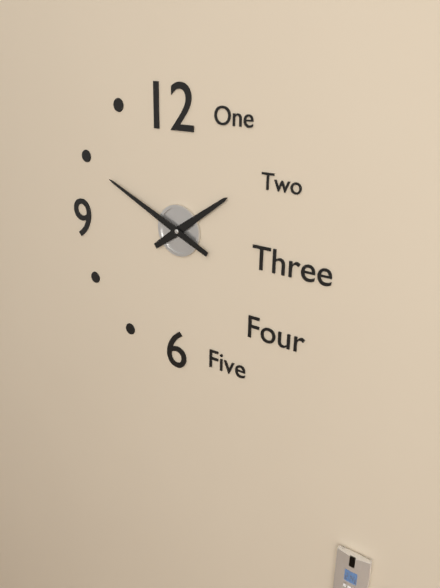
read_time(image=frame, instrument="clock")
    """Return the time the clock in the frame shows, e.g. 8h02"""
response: 1h49
